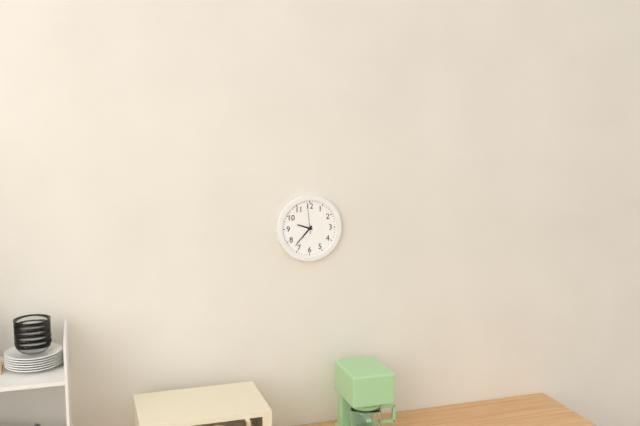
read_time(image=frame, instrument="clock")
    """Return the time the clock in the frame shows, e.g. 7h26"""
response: 9h37
